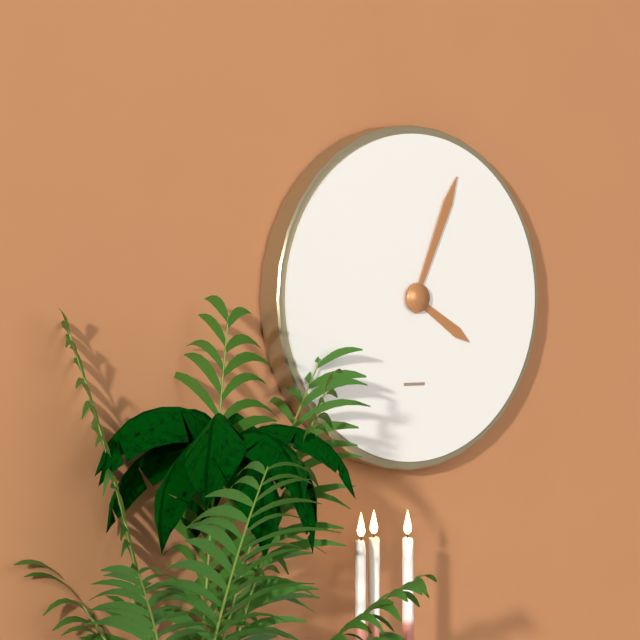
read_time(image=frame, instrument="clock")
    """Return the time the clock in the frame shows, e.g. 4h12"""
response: 4h04
